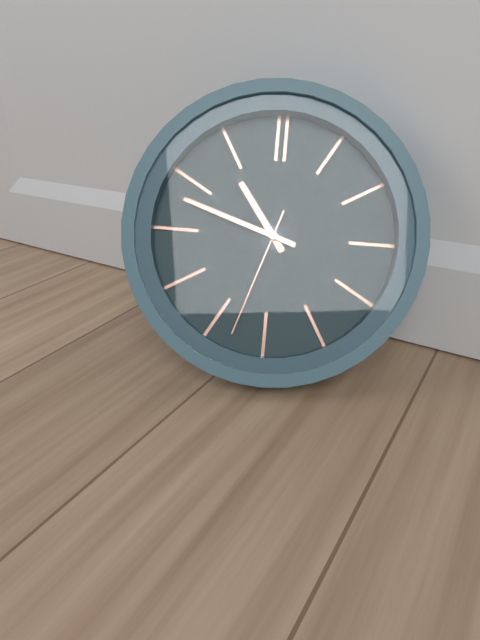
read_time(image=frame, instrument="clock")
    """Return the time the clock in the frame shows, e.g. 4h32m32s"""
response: 10h48m33s
